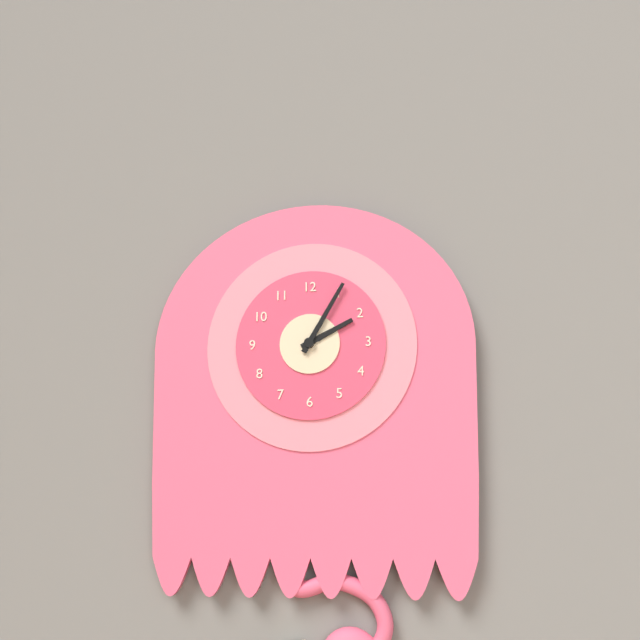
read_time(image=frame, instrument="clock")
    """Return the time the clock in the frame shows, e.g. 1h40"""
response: 2h05
